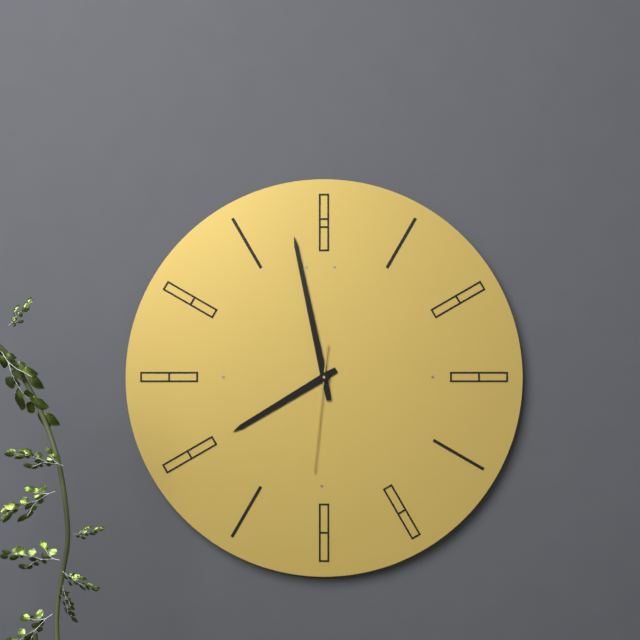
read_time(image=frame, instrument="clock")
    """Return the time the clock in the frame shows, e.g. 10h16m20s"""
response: 7h58m31s
